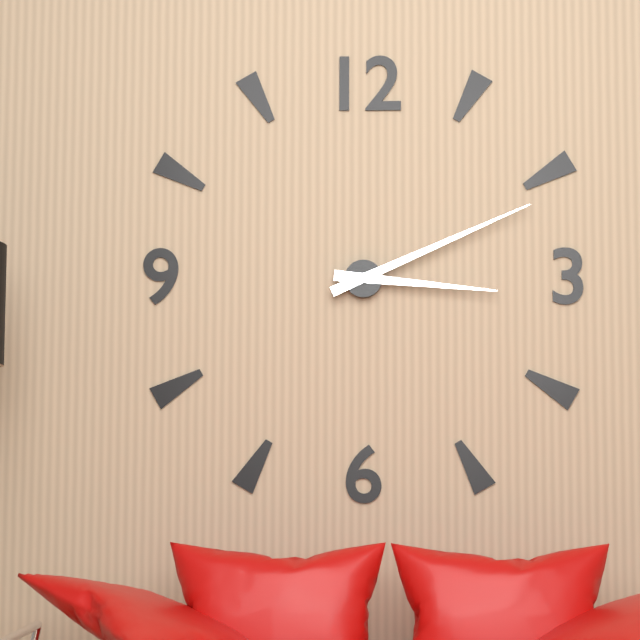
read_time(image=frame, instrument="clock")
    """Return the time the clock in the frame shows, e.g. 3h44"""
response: 3h11
